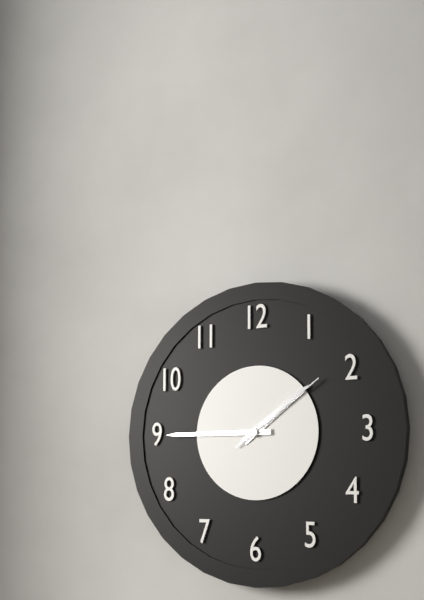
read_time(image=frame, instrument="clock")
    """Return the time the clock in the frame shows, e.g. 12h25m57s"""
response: 1h45m09s
